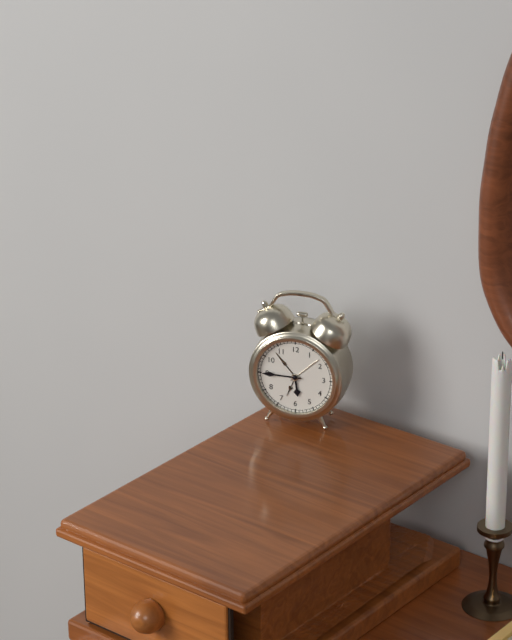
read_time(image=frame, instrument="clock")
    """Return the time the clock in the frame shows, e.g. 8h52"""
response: 5h45
